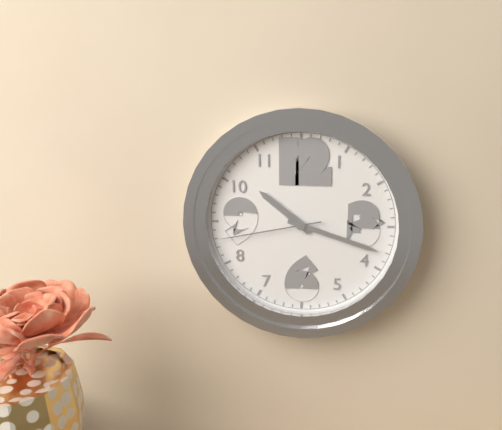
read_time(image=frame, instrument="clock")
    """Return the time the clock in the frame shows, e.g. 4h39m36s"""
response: 10h18m43s
